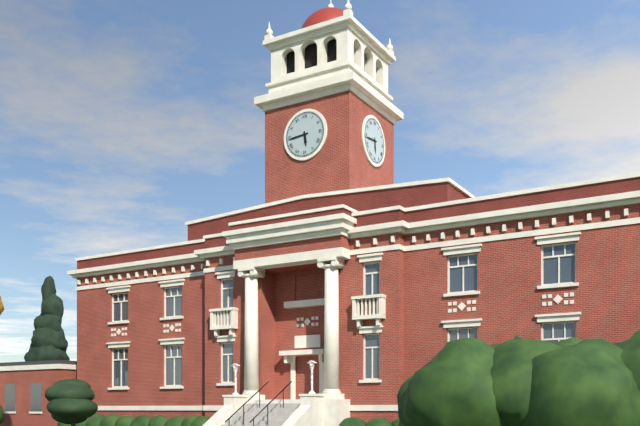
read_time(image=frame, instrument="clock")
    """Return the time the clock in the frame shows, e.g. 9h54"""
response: 5h44
